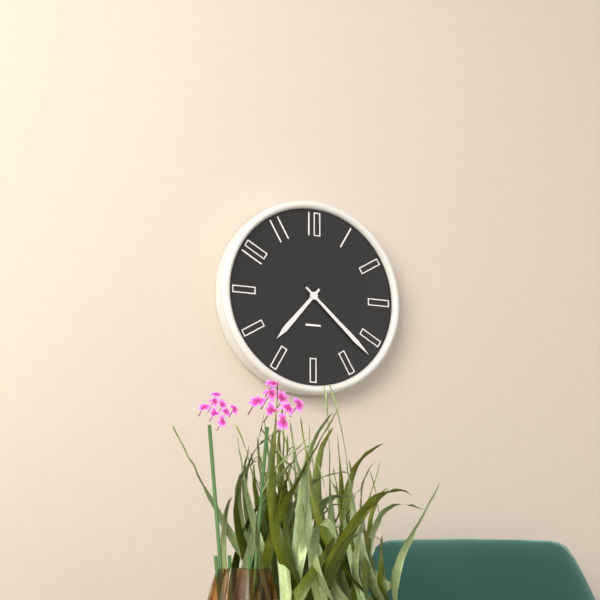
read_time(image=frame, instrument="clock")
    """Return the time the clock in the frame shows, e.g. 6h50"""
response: 7h22
